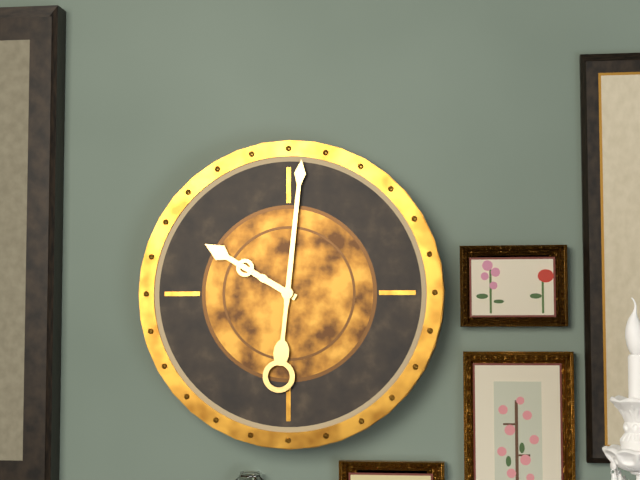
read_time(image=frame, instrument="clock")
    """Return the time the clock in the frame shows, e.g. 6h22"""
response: 10h01
